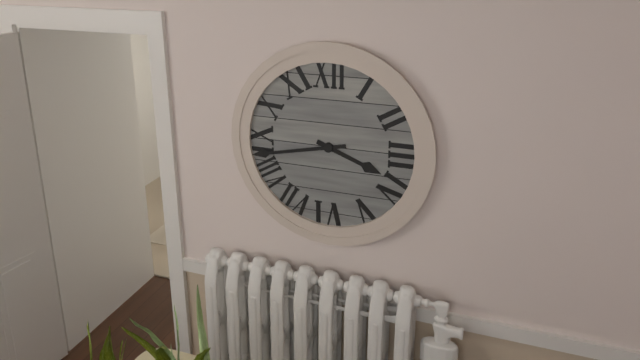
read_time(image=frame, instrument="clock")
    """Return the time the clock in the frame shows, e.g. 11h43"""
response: 3h43
